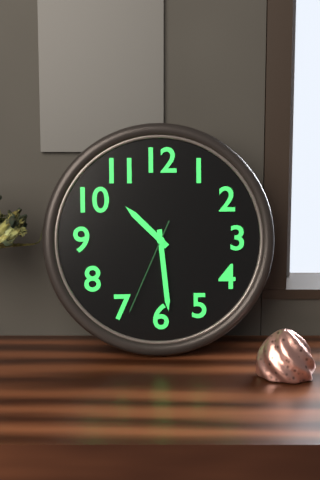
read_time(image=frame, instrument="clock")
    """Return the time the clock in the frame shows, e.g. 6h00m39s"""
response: 10h29m34s
